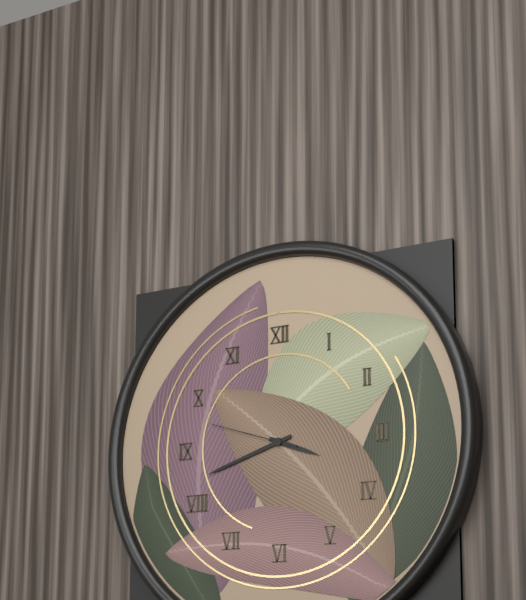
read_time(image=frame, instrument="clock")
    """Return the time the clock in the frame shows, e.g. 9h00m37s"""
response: 3h42m48s
